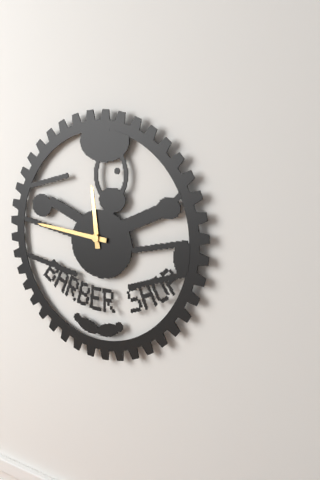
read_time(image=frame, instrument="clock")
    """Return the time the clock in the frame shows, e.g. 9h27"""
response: 11h46
